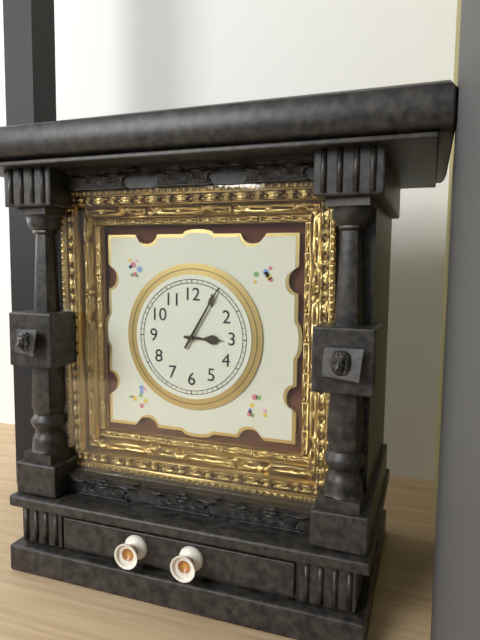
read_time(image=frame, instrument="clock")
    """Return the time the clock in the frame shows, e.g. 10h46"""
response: 3h05
